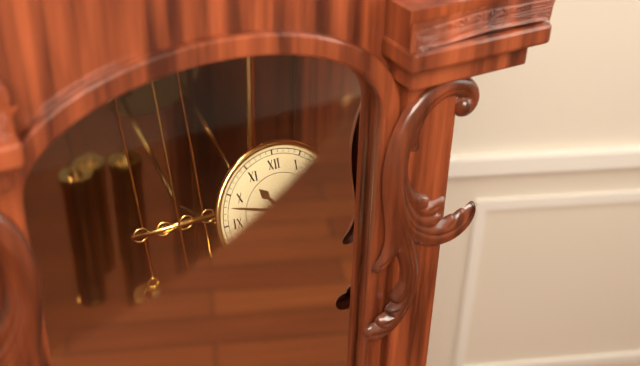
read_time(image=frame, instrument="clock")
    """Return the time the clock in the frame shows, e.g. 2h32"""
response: 10h48
